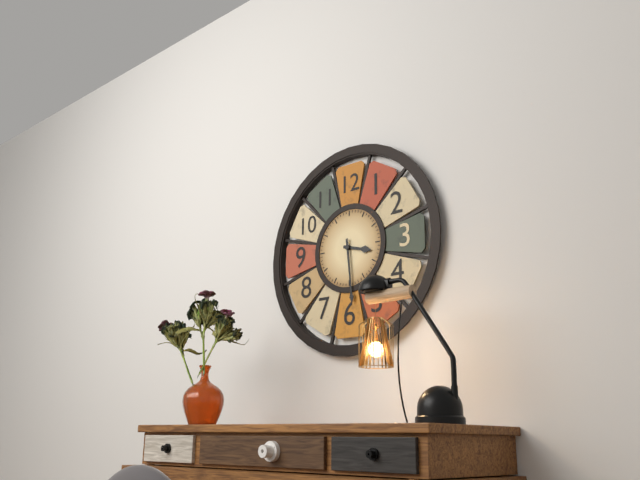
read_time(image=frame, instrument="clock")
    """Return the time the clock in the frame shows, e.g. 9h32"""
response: 3h29
